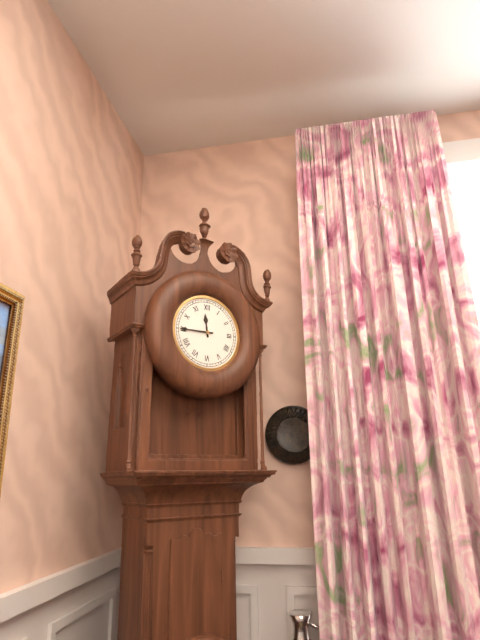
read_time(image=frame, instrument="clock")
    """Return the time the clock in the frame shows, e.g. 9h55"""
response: 11h45
